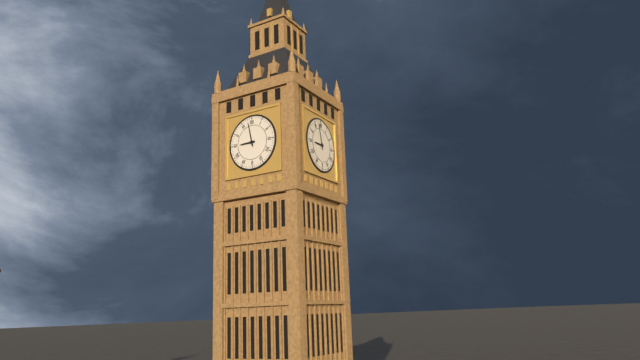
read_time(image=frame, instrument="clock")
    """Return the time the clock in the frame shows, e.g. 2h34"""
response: 8h58
